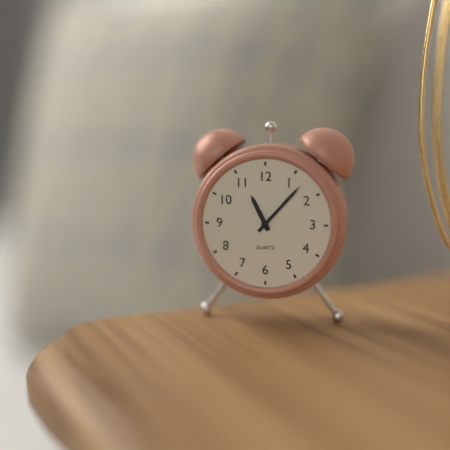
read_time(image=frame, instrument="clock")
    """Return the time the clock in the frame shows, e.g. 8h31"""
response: 11h07
